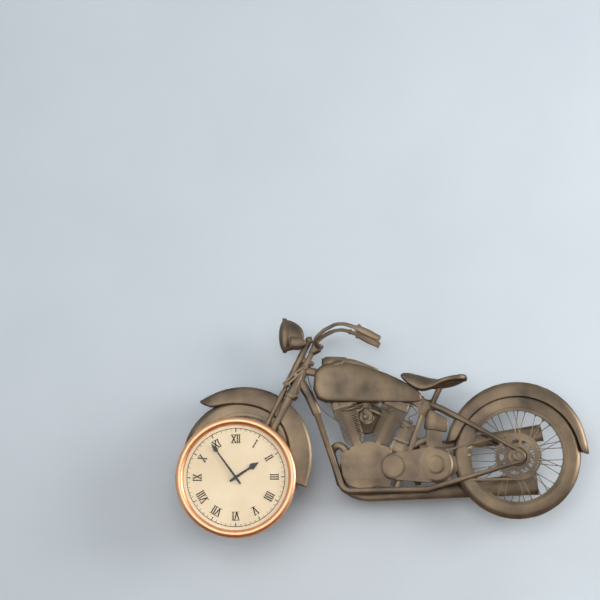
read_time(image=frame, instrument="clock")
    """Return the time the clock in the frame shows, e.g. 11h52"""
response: 1h54
